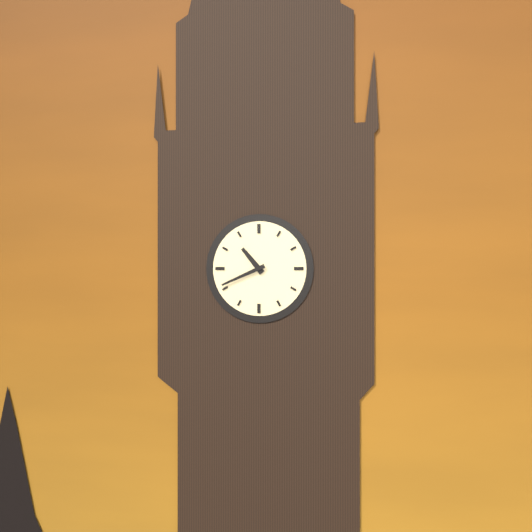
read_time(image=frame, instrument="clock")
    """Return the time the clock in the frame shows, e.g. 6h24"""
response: 10h41
